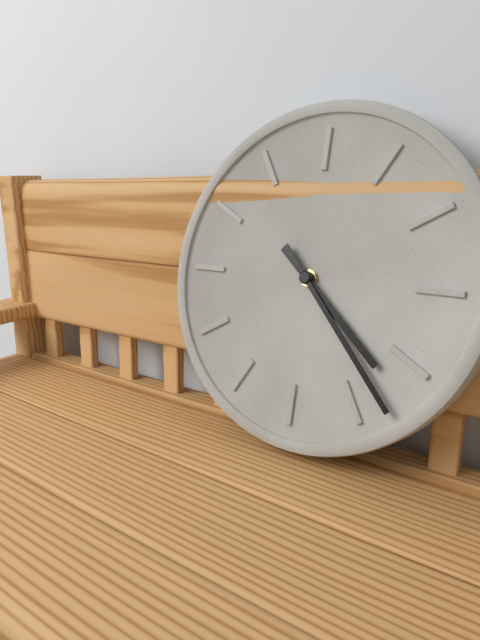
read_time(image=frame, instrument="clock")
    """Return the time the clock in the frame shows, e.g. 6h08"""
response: 4h23
